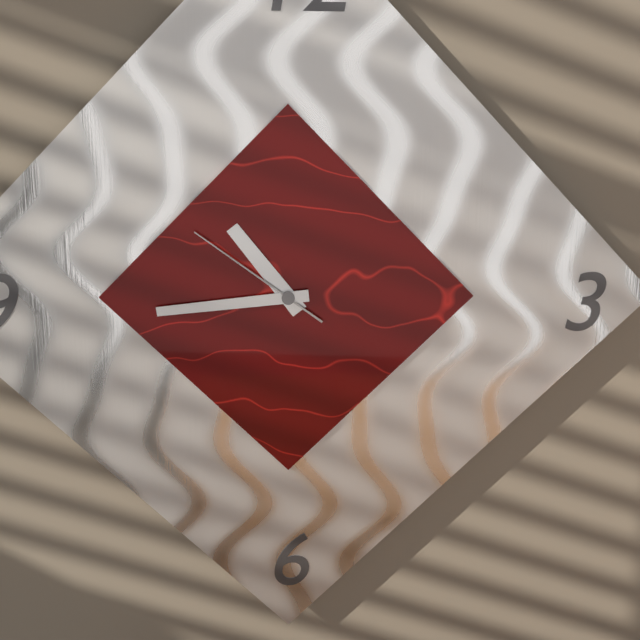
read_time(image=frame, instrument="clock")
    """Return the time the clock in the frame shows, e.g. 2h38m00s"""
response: 10h44m51s
